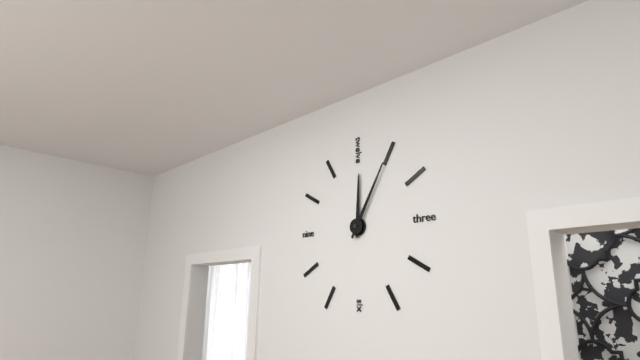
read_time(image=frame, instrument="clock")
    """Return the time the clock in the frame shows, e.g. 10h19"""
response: 12h05
